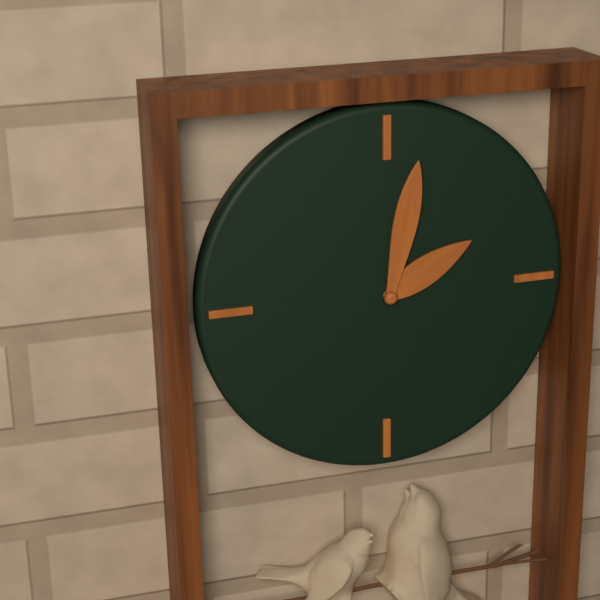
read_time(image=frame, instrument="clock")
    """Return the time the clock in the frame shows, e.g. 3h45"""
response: 2h02
